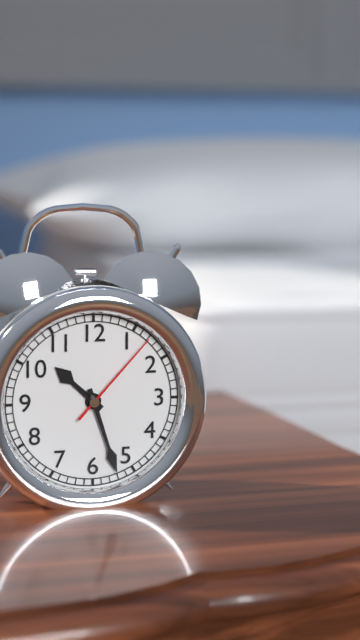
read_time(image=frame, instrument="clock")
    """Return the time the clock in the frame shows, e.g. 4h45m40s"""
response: 10h27m07s
